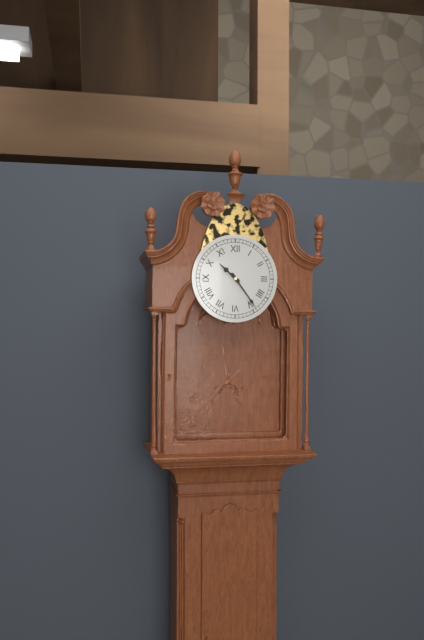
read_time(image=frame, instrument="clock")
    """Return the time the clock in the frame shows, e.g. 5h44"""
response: 10h24
